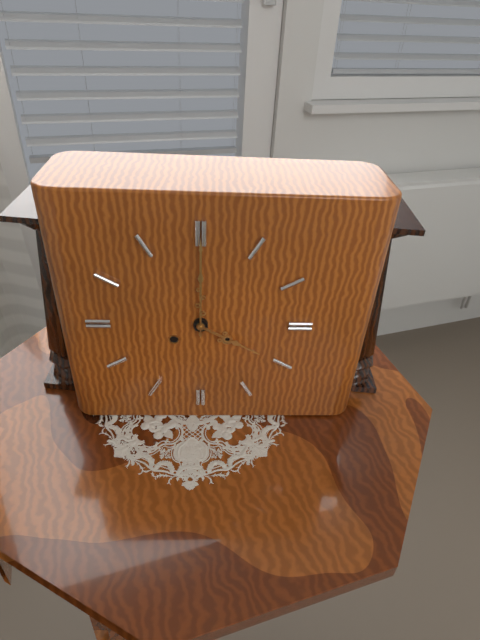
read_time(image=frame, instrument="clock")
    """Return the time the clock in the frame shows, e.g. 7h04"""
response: 4h00
